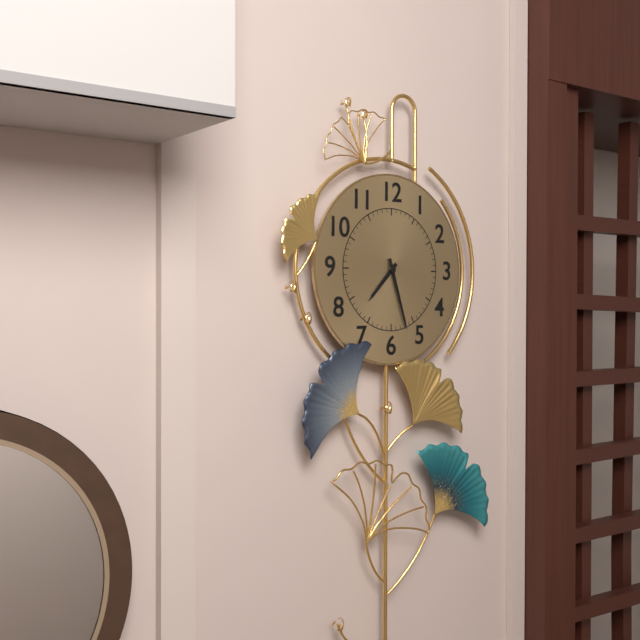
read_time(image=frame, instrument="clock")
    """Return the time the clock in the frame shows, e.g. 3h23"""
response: 7h27
